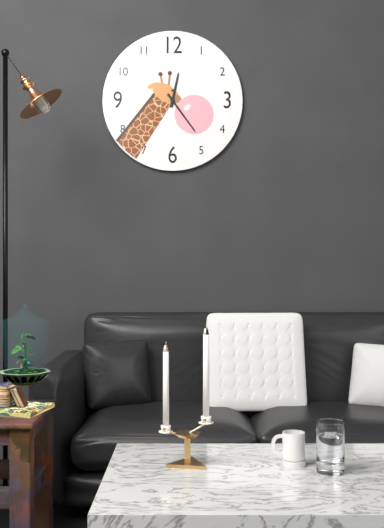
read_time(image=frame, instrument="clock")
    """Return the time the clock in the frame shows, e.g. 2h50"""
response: 12h24
